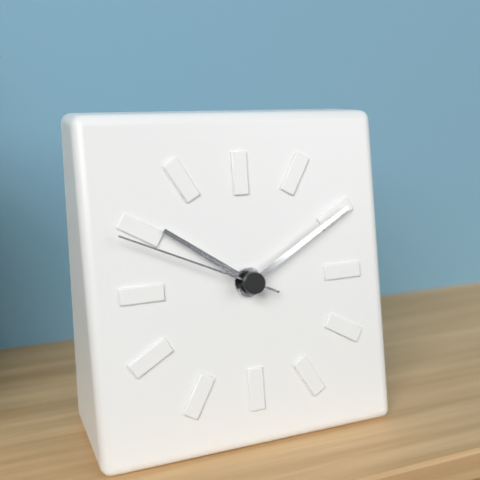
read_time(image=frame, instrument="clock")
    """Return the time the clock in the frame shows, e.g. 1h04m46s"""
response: 10h10m49s
